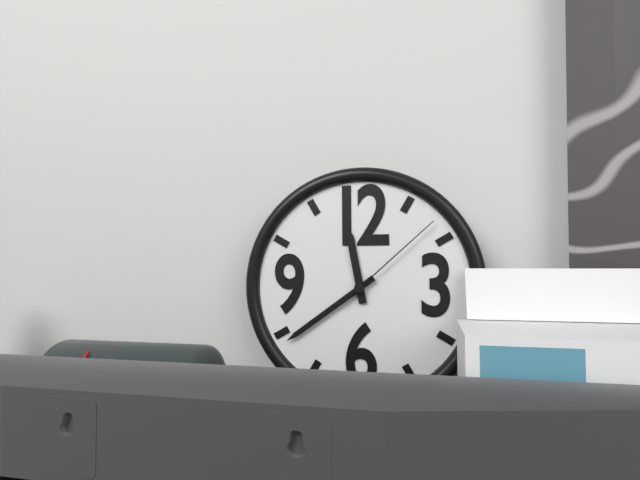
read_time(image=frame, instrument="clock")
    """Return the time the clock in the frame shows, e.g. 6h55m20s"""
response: 11h39m08s
